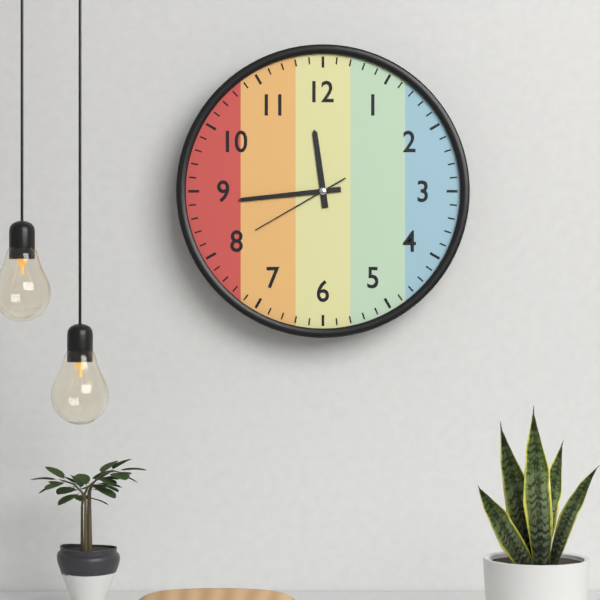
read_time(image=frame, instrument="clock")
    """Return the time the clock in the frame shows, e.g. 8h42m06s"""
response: 11h44m40s
